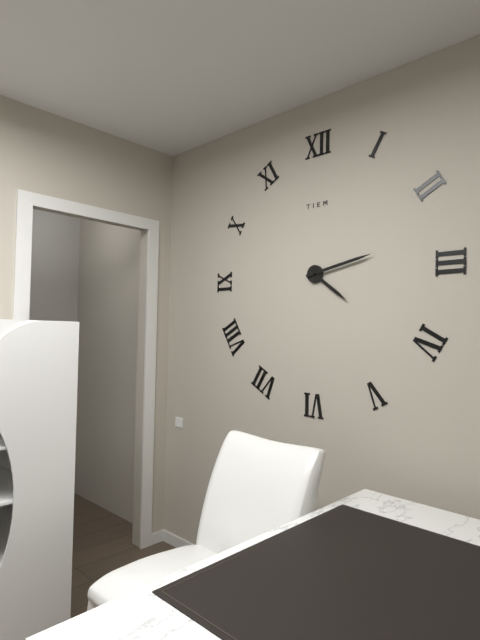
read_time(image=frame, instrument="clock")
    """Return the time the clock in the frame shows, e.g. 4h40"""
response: 4h13
